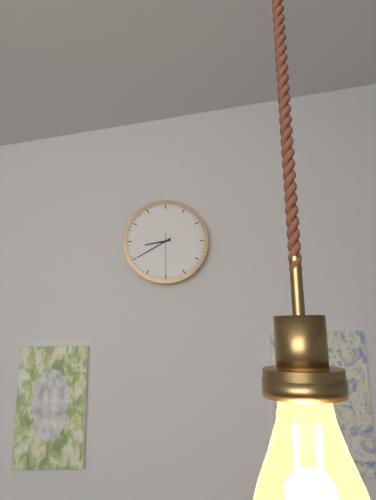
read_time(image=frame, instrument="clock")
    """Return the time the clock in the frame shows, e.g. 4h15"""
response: 8h40
